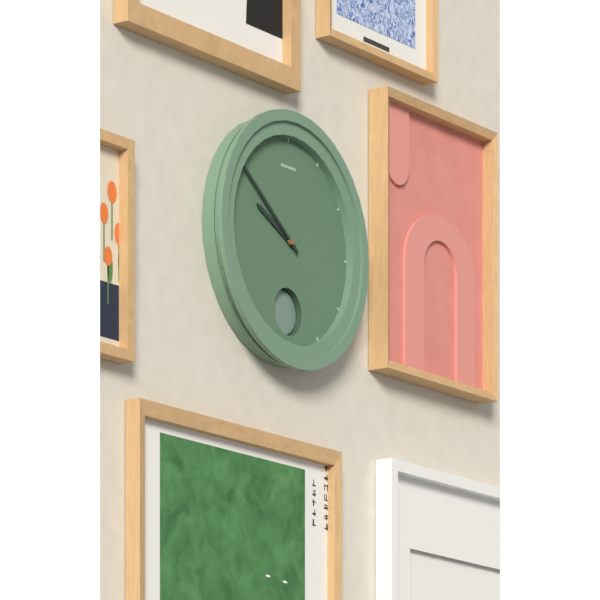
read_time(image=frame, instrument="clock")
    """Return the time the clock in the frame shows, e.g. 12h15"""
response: 9h51
